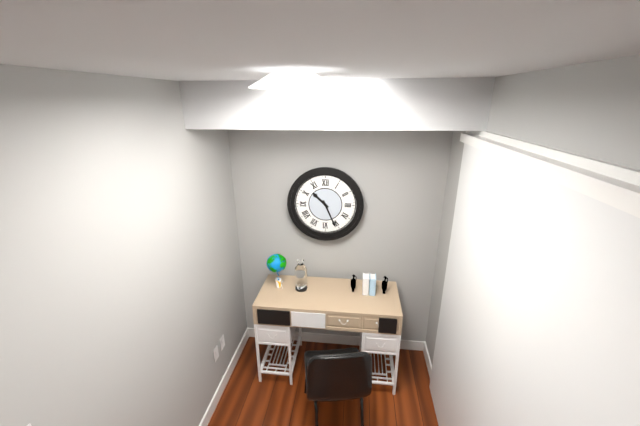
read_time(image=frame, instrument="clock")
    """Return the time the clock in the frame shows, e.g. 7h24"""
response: 10h26
